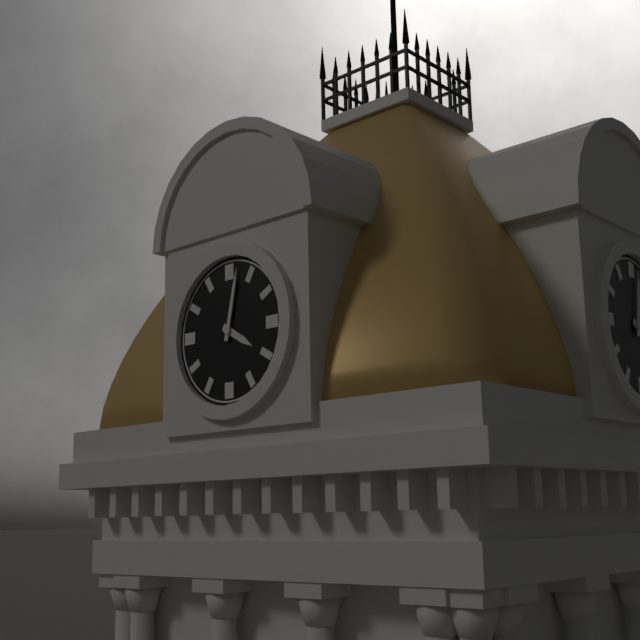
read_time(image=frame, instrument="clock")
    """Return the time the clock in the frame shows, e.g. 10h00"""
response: 4h02
